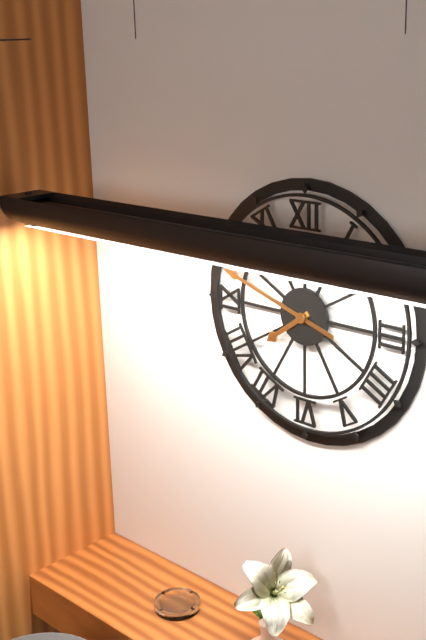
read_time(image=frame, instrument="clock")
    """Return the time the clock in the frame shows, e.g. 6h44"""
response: 7h48
